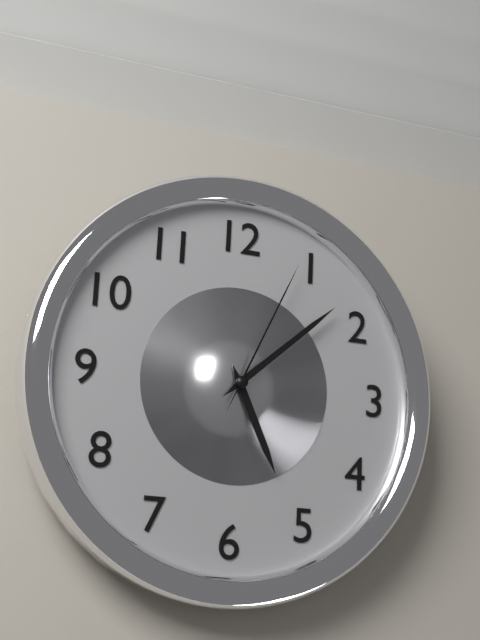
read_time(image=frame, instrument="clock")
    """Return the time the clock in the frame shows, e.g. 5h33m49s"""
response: 5h08m04s
